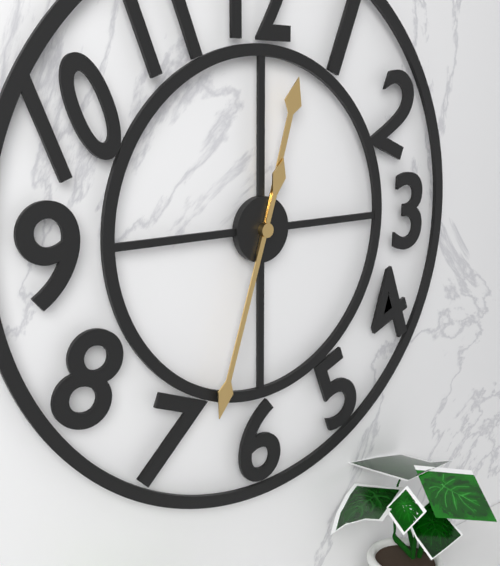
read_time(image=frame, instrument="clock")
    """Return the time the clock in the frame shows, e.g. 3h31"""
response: 12h33
